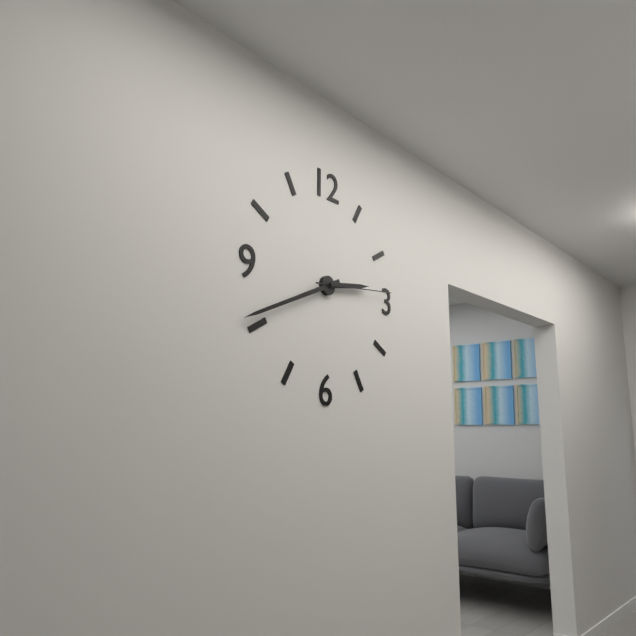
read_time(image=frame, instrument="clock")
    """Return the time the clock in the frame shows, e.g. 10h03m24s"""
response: 2h41m14s
